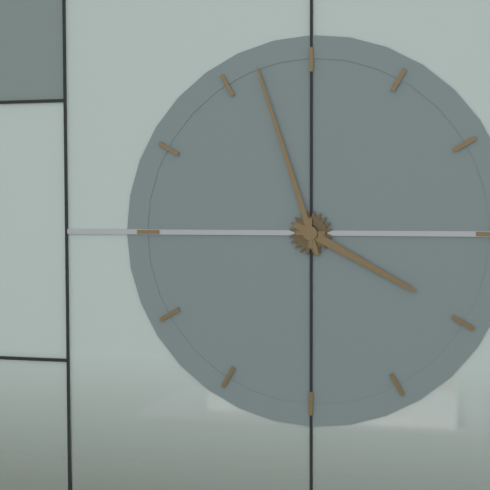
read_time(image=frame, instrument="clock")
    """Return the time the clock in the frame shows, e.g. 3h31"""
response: 3h57
